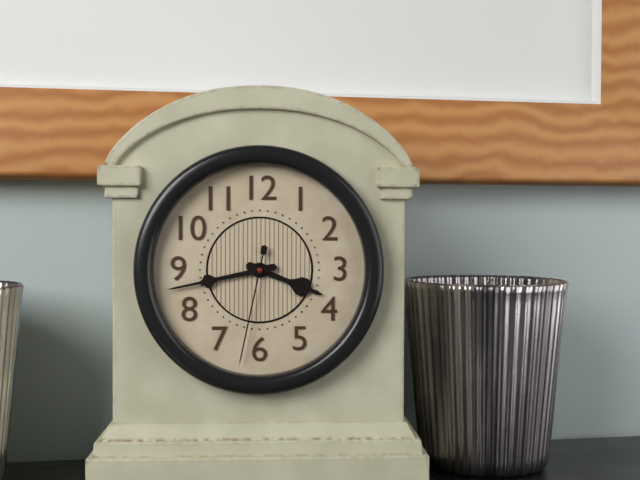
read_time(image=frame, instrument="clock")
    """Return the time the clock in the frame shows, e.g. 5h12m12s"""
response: 3h43m32s
